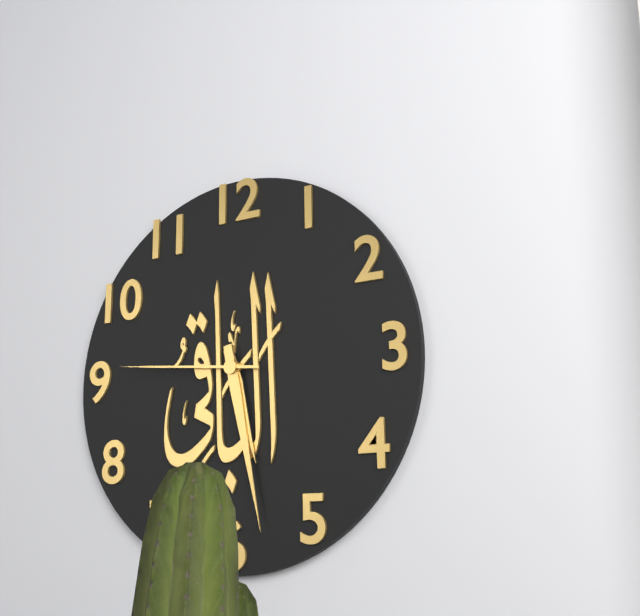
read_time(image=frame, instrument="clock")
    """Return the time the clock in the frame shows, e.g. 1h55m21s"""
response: 5h28m46s
